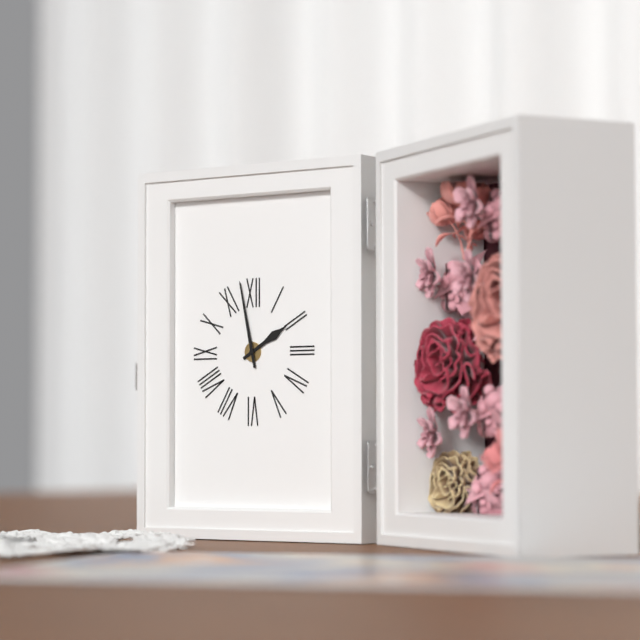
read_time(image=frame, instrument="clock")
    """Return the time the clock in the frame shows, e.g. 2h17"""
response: 1h58
